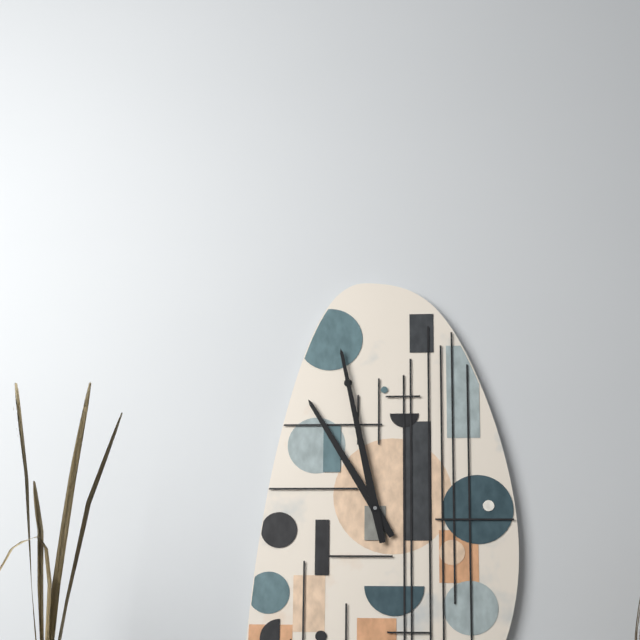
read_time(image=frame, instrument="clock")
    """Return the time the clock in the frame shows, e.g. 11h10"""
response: 10h58
